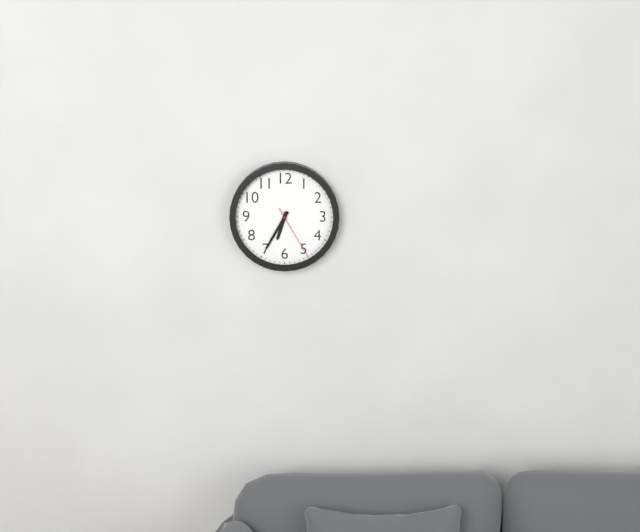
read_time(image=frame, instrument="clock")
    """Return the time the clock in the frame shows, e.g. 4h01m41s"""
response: 6h35m25s
